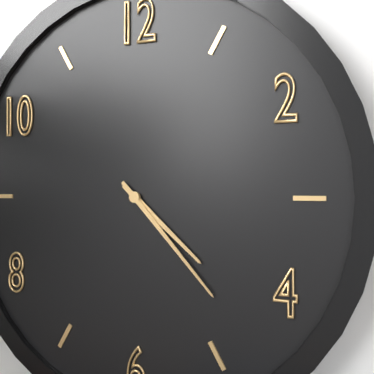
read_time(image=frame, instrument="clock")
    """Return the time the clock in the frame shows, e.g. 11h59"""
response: 4h23
